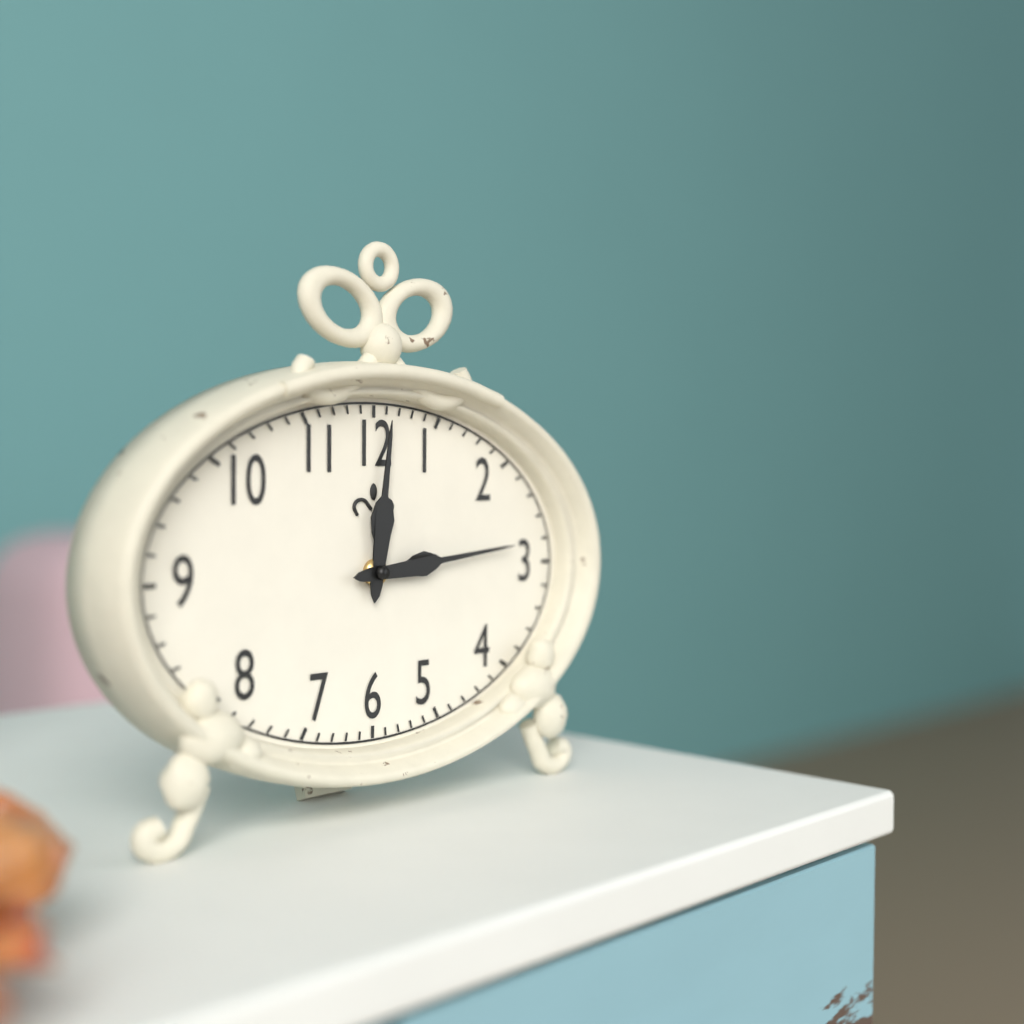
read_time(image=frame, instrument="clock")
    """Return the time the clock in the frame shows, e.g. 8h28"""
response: 12h14
